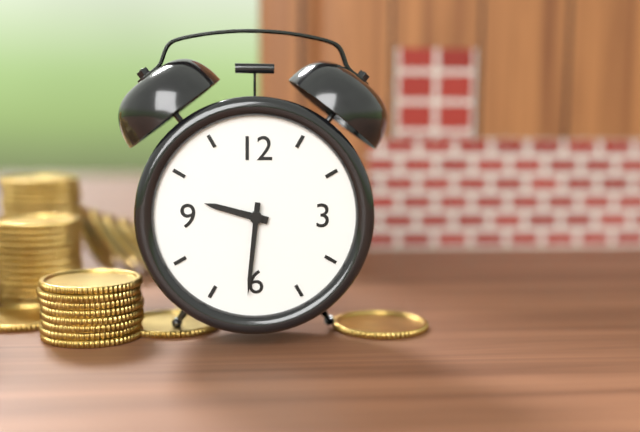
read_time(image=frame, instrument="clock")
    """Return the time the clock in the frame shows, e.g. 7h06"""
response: 9h31
